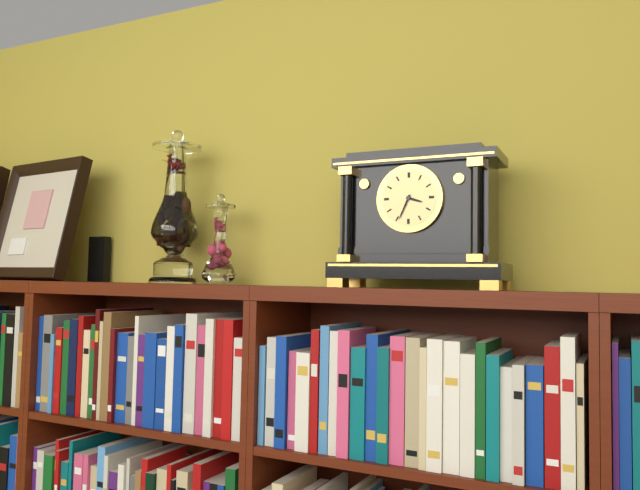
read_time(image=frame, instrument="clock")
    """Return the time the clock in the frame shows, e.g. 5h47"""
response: 3h34
